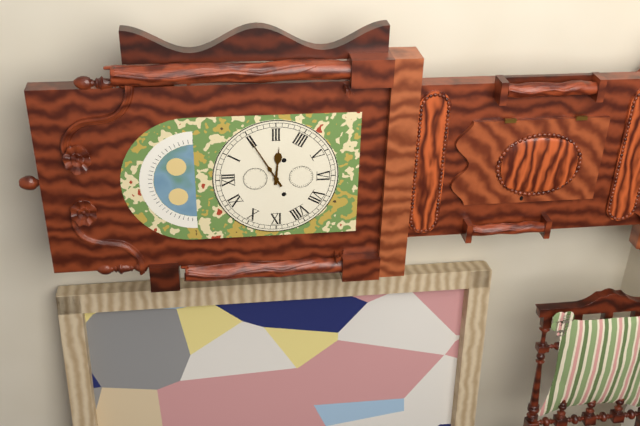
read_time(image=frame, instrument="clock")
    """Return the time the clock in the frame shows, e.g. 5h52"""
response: 3h10
